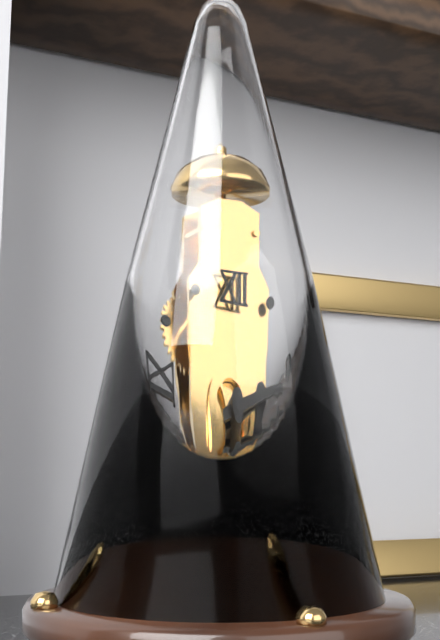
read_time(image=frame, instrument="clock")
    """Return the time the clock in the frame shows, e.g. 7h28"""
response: 2h11
